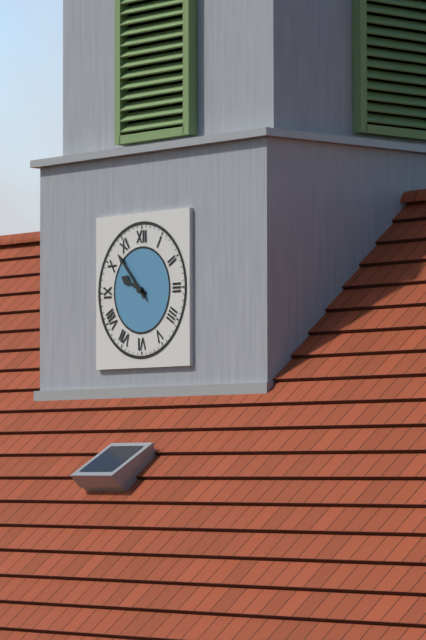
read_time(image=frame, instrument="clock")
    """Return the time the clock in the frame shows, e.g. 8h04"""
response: 9h53
